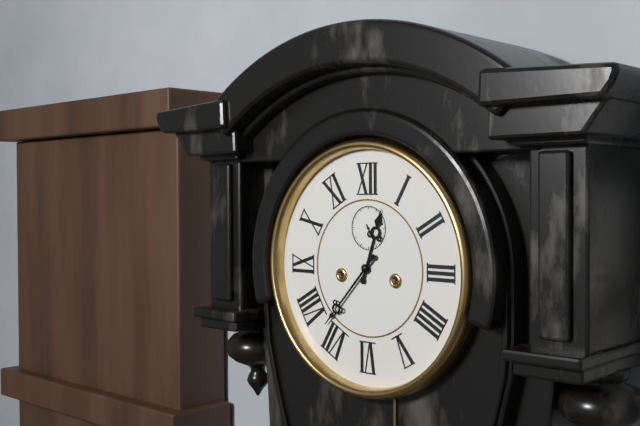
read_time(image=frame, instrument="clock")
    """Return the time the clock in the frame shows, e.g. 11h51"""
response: 12h37
